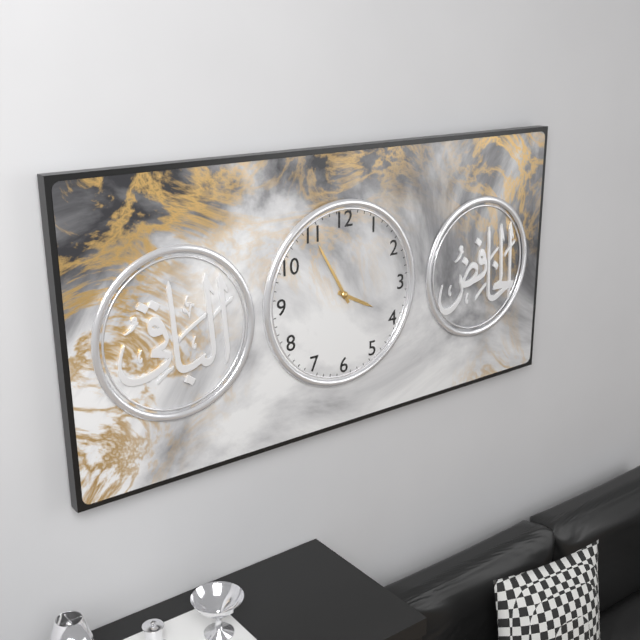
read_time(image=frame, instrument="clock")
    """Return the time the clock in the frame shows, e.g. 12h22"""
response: 3h55
